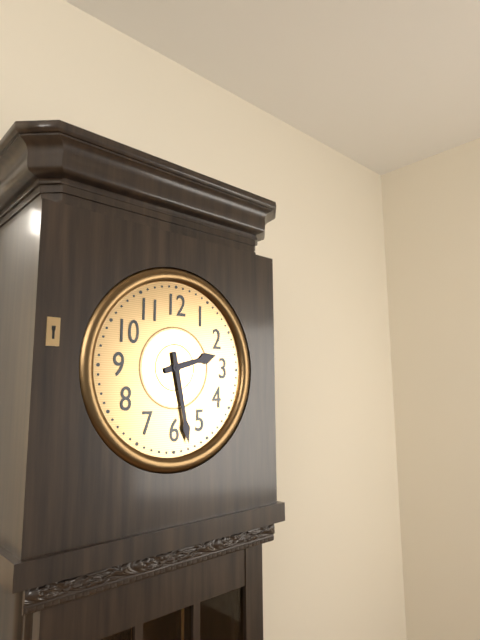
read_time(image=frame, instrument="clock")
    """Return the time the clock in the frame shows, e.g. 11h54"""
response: 2h28
